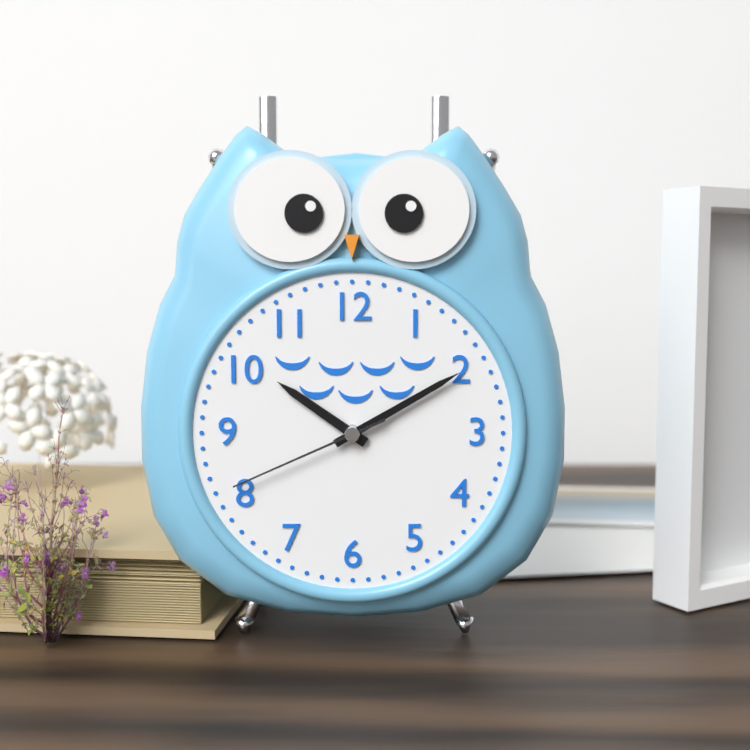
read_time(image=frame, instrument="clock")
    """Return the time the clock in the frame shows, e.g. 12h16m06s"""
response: 10h10m41s
